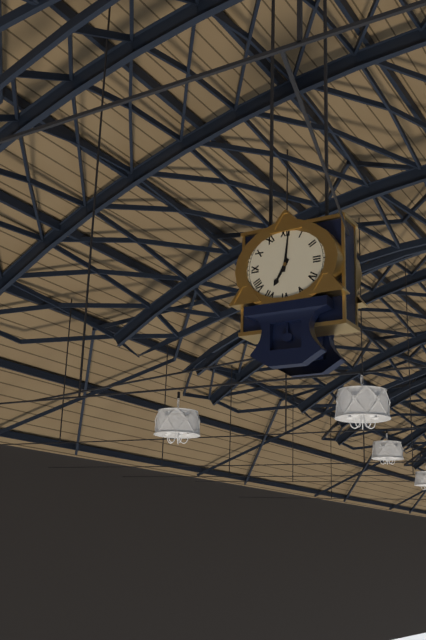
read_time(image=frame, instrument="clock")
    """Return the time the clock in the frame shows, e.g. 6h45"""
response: 7h01
